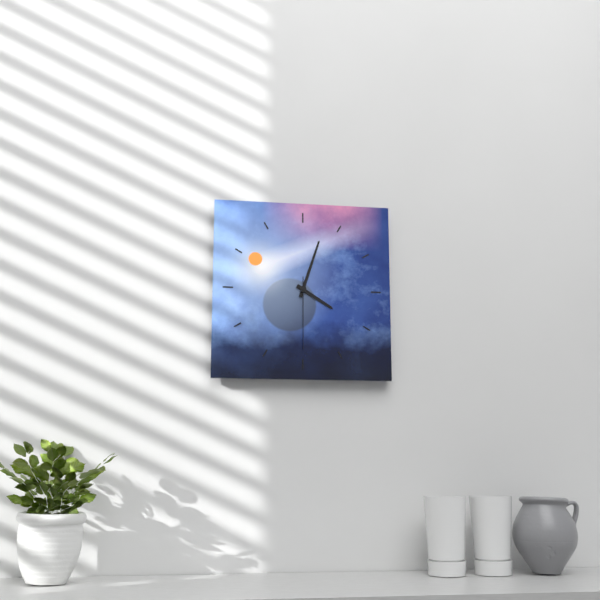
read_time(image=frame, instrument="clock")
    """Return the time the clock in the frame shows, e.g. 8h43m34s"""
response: 4h03m30s
